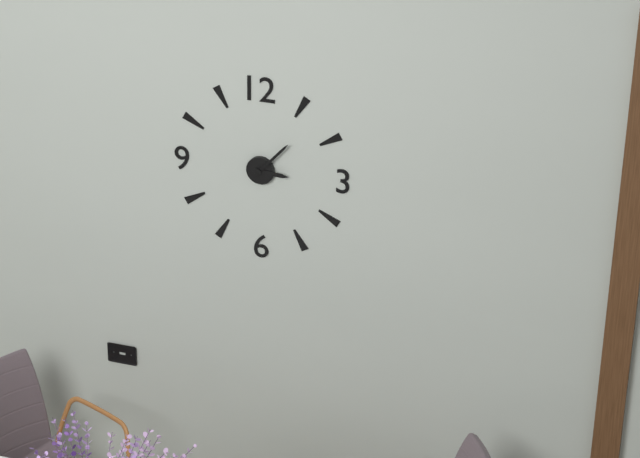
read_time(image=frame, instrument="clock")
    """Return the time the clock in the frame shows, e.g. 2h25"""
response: 3h07
